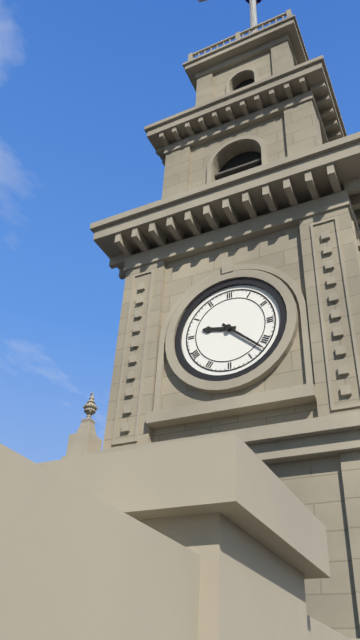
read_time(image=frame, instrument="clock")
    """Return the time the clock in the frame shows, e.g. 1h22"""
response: 9h22
